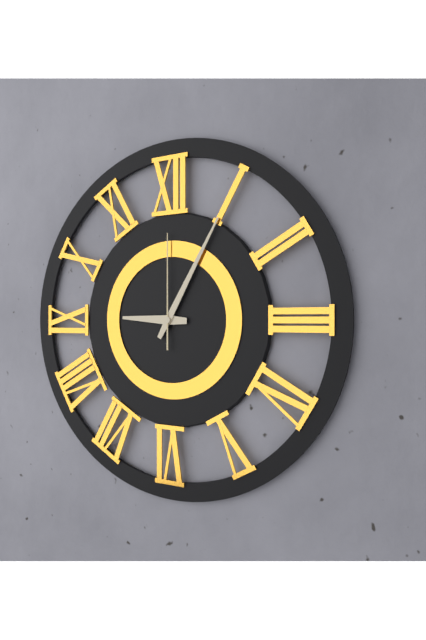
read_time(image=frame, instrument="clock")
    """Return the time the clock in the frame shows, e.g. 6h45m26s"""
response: 9h05m00s
